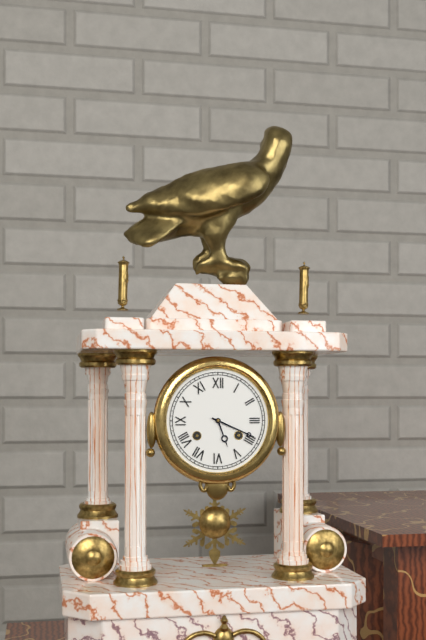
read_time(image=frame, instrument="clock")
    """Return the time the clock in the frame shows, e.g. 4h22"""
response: 5h19
